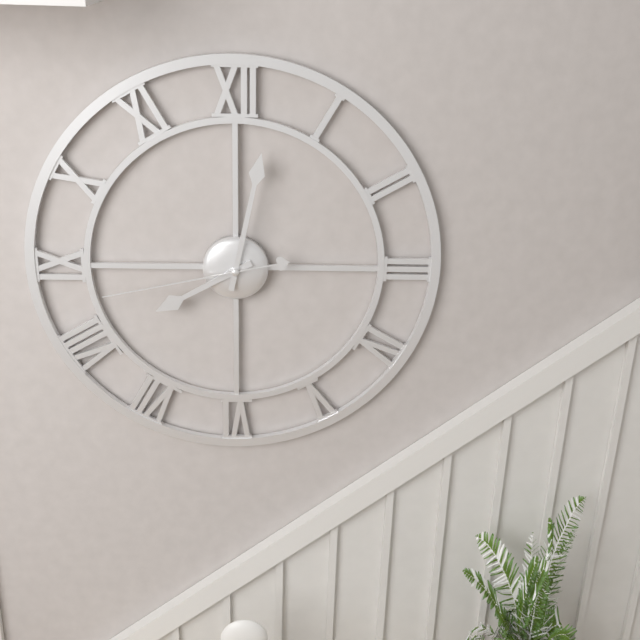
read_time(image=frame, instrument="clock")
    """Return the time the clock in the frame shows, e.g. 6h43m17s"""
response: 8h02m43s
